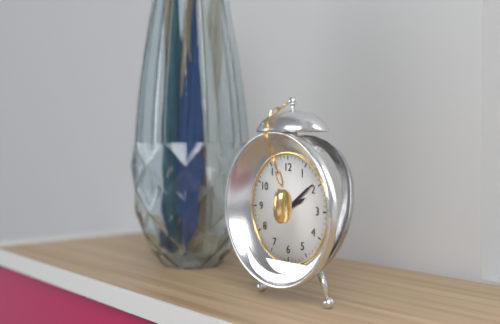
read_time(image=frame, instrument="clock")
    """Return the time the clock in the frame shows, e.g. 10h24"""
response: 2h09
